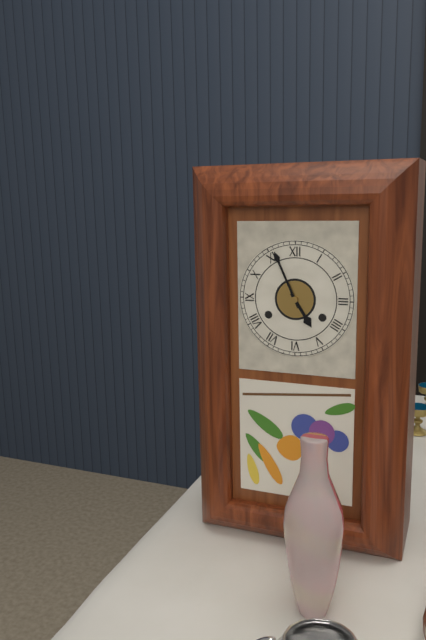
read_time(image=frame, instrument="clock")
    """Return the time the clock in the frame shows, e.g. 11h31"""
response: 4h56
